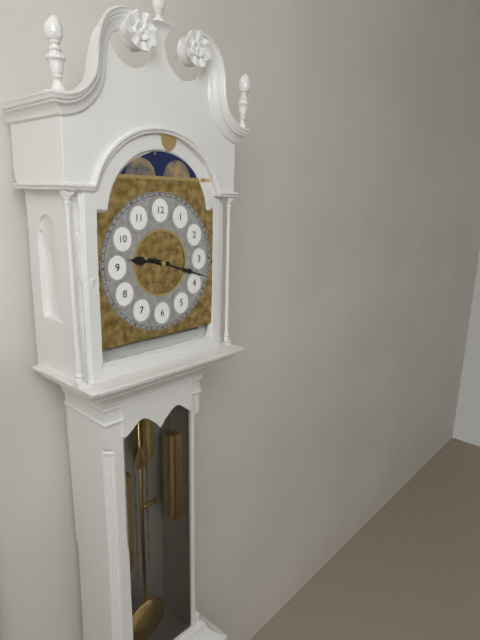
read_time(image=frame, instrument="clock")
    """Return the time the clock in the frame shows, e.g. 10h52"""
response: 9h18
